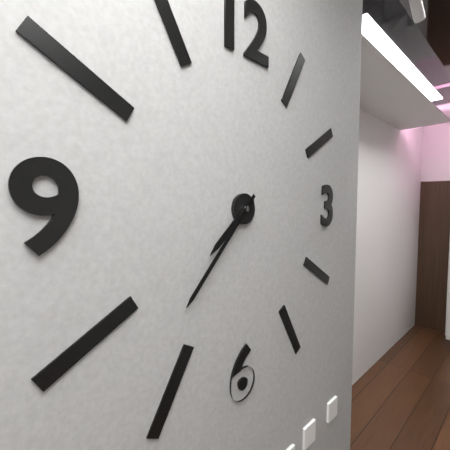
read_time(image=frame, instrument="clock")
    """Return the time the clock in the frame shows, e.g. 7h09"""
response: 7h37
